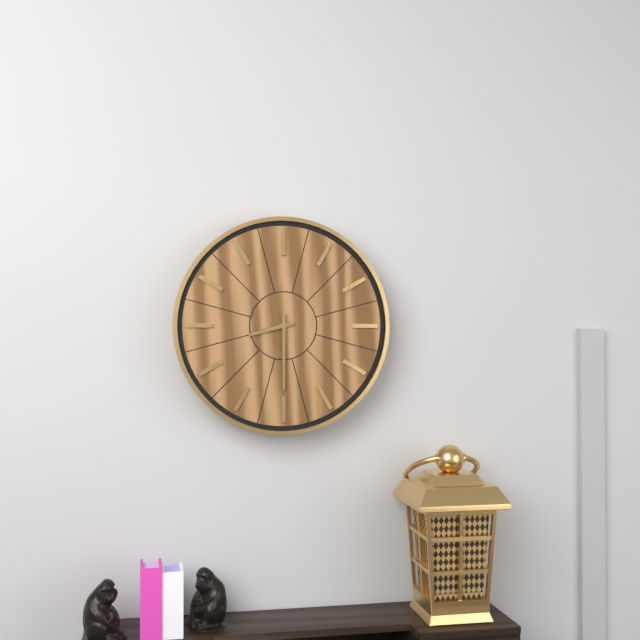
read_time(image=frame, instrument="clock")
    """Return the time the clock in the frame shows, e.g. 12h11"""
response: 8h30
